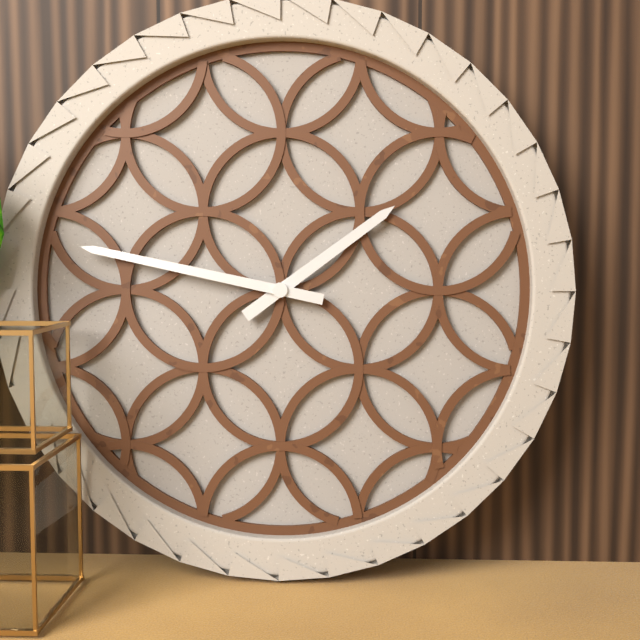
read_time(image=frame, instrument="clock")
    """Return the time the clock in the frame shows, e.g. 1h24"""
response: 1h47
